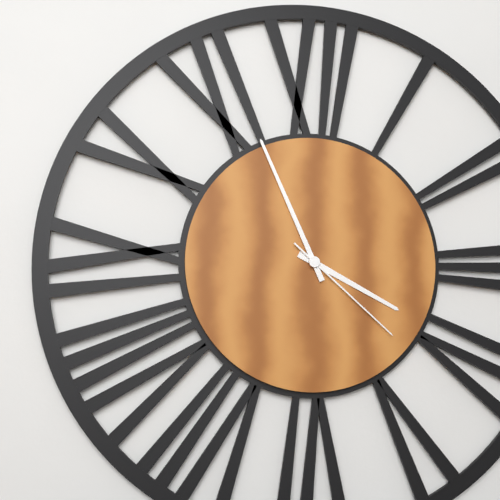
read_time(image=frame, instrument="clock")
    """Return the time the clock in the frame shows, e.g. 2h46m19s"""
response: 3h56m22s
